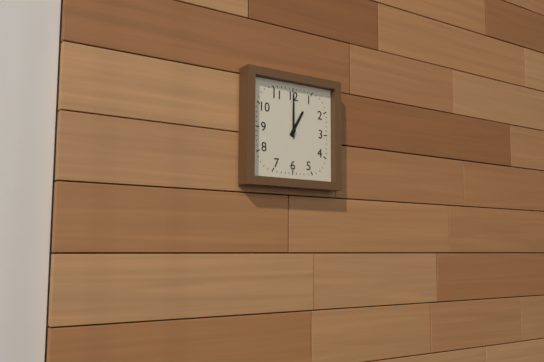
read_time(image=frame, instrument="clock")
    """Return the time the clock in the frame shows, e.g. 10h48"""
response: 1h00
